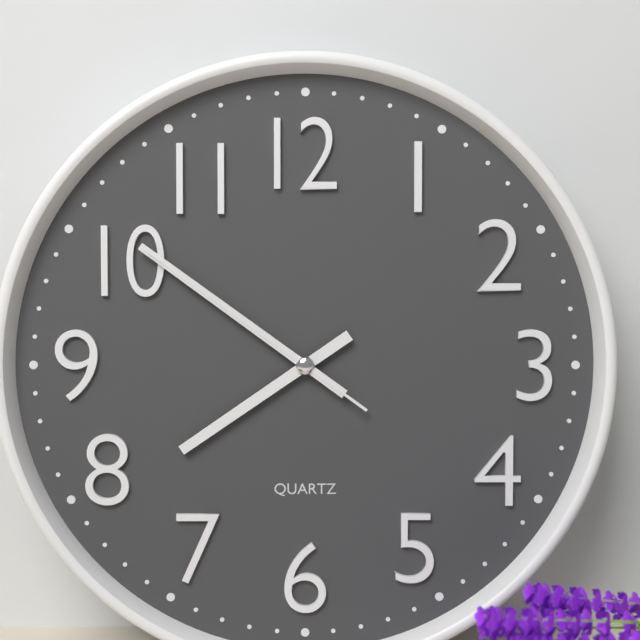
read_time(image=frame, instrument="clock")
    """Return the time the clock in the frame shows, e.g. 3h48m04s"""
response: 7h51m51s
